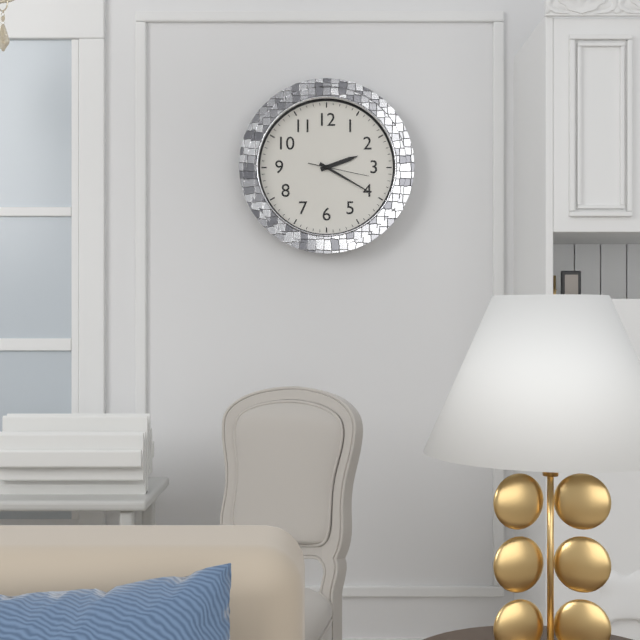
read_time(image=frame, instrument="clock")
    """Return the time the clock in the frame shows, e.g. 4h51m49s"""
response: 2h20m17s
